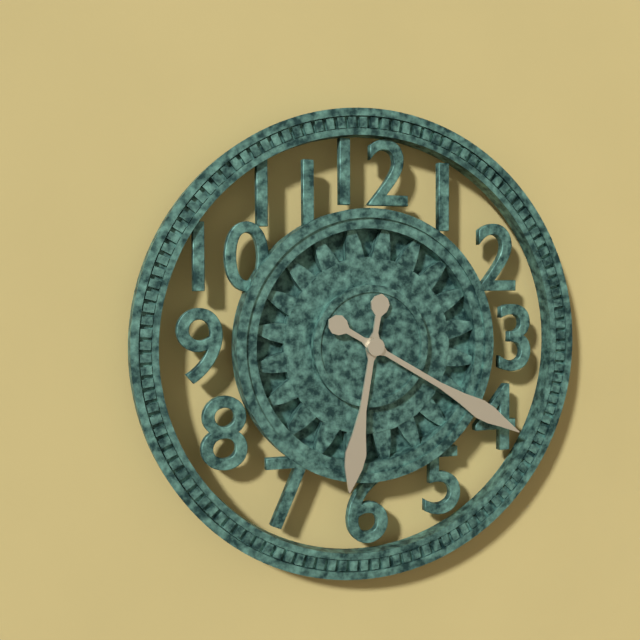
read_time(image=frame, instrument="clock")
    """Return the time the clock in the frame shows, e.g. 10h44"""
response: 6h20
